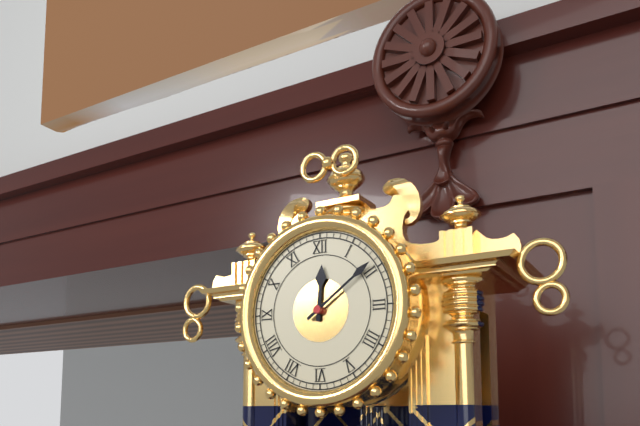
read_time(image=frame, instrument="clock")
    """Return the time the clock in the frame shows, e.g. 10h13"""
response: 12h09
